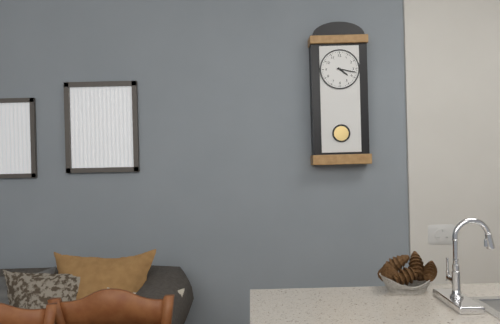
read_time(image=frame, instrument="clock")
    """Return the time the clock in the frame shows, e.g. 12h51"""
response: 4h17
